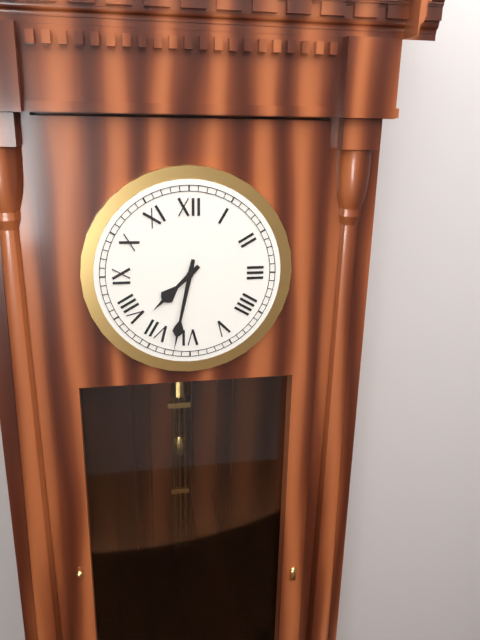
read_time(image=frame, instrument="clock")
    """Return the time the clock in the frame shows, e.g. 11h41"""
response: 7h32
